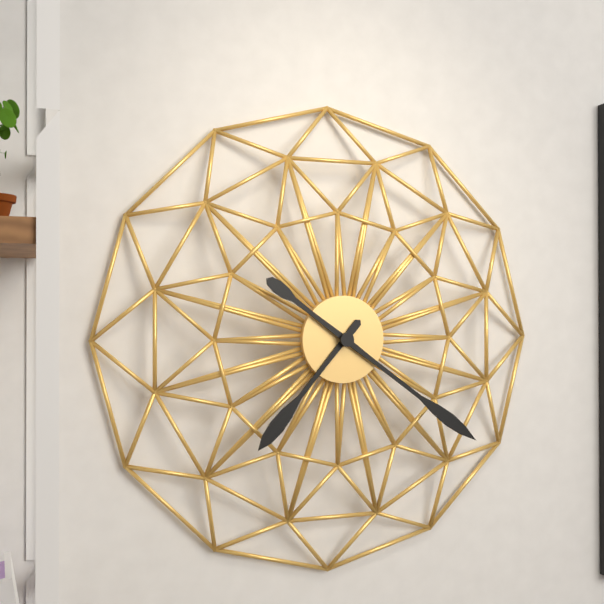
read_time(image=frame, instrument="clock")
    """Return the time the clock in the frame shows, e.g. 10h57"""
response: 7h21
